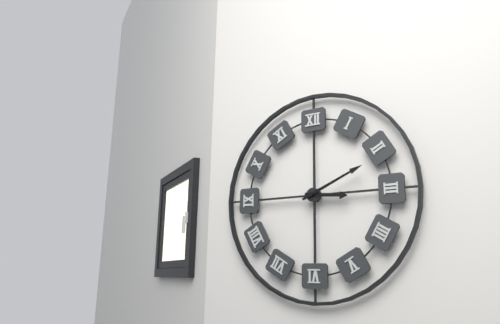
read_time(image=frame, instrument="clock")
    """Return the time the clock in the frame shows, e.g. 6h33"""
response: 3h11
